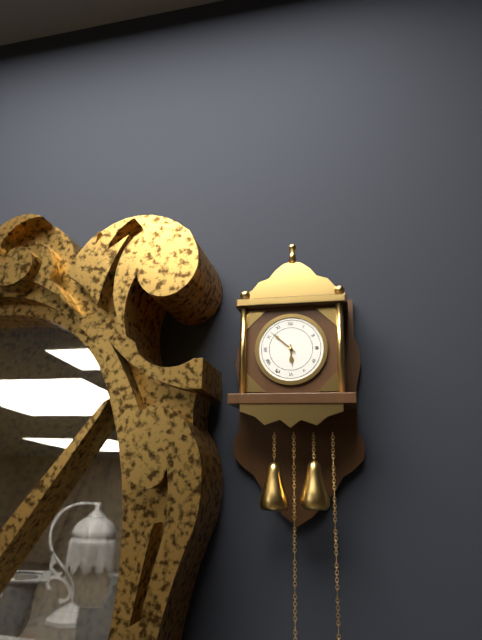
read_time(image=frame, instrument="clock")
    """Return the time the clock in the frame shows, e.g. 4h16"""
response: 5h52
